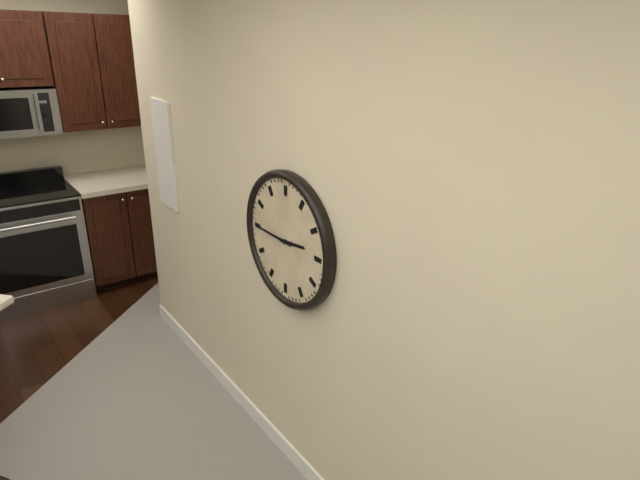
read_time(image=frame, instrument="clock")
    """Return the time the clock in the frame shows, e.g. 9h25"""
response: 2h45
